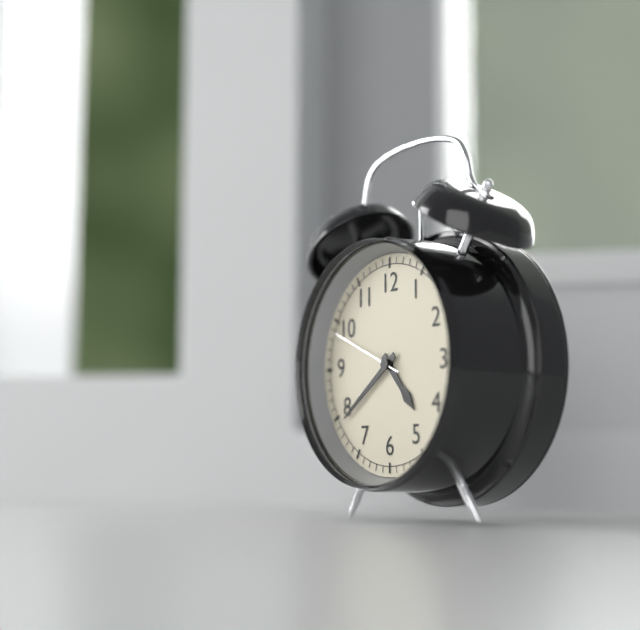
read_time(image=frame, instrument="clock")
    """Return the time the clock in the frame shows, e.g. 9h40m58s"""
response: 4h39m49s
